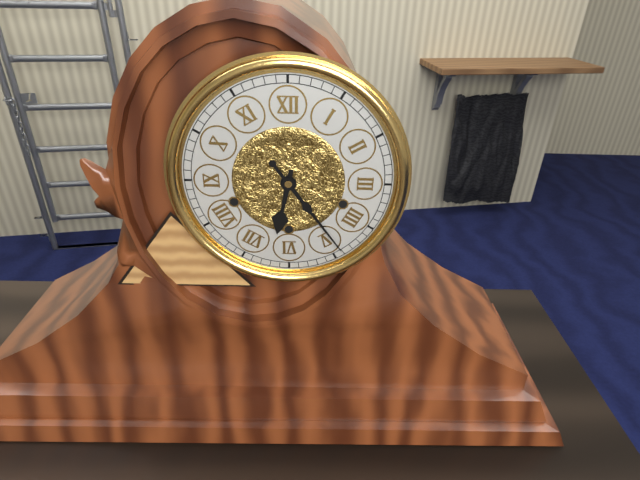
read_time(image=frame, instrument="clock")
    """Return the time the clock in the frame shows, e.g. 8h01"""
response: 6h24
